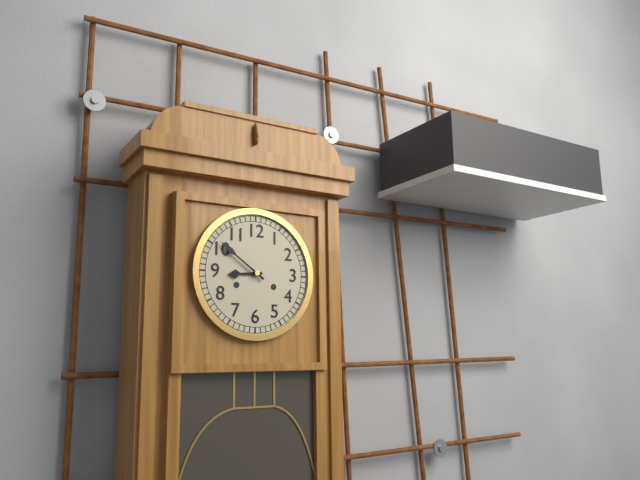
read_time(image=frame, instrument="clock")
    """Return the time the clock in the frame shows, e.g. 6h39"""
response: 8h51
